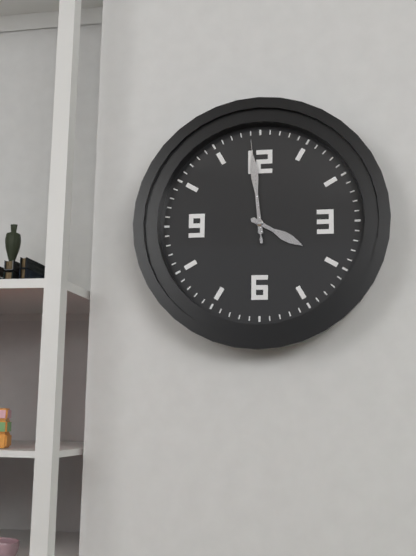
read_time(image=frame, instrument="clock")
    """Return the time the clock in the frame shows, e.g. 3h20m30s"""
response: 3h59m59s
